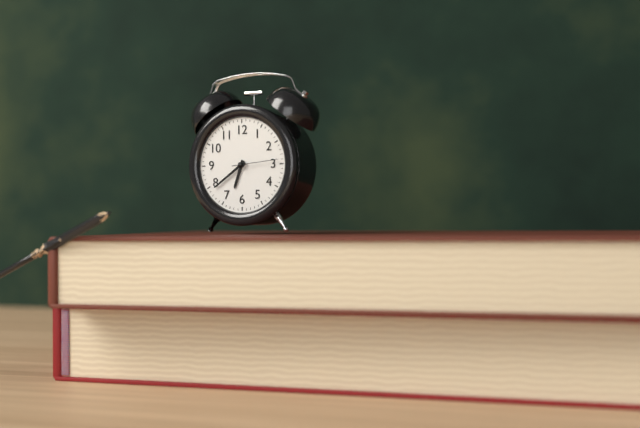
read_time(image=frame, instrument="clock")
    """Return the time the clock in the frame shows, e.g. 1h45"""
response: 6h39
